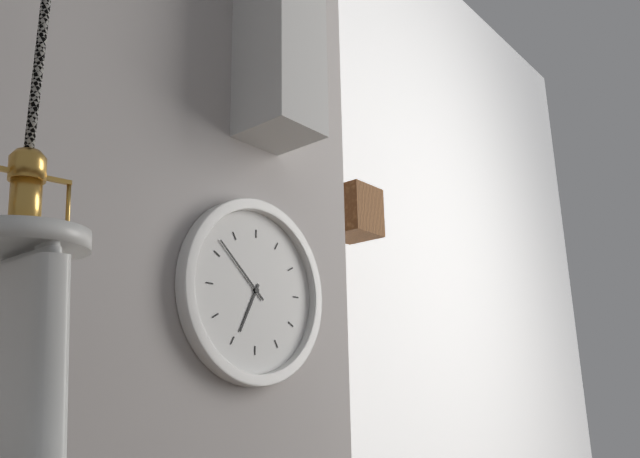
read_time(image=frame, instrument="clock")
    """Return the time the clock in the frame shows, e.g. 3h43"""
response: 6h52
